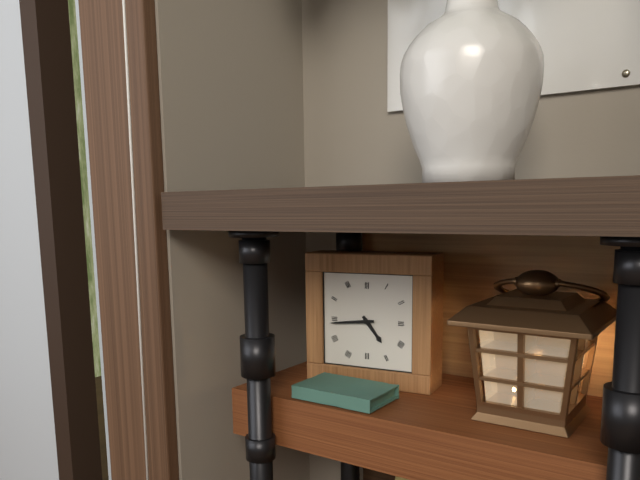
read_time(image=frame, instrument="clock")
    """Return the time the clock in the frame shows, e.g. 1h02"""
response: 4h44
